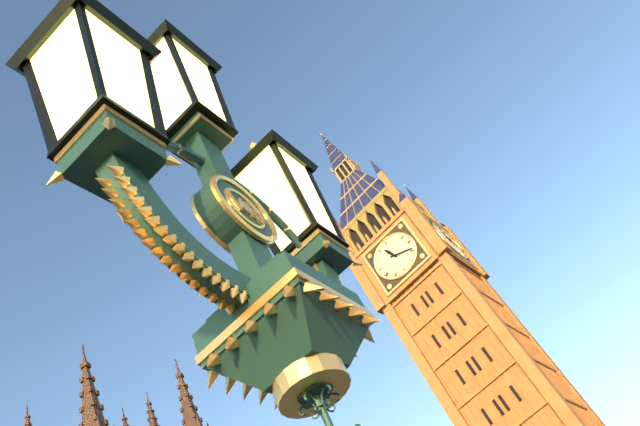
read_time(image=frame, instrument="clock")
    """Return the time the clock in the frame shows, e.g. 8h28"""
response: 11h19
